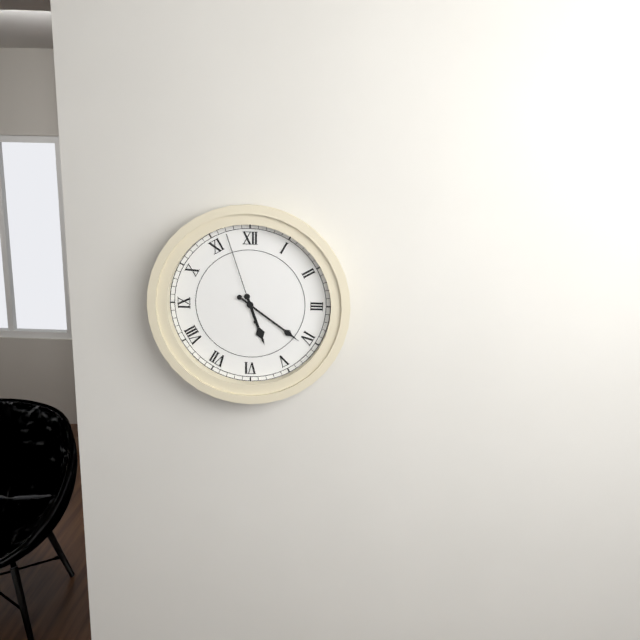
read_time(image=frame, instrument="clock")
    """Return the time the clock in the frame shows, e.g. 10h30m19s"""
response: 5h21m57s
